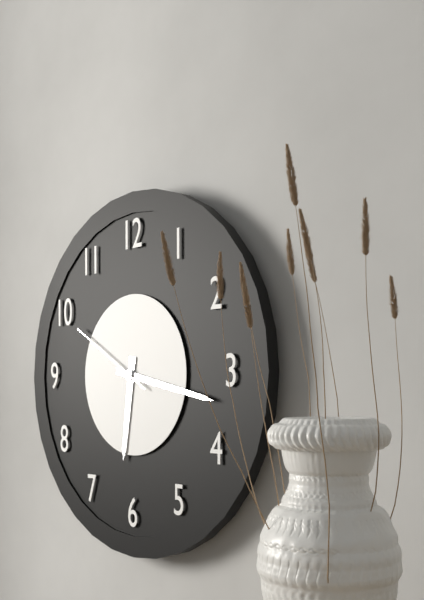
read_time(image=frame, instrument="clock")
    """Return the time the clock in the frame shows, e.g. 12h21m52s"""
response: 6h17m50s
